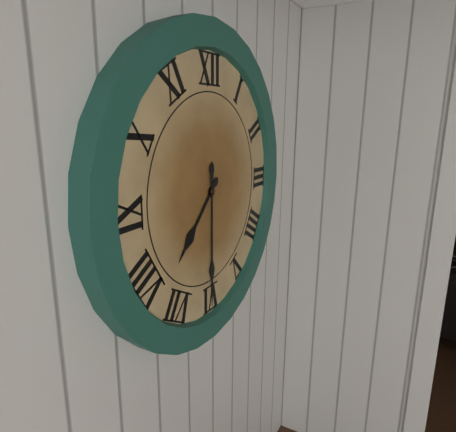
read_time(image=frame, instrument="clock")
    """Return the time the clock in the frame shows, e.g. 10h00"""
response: 7h30
